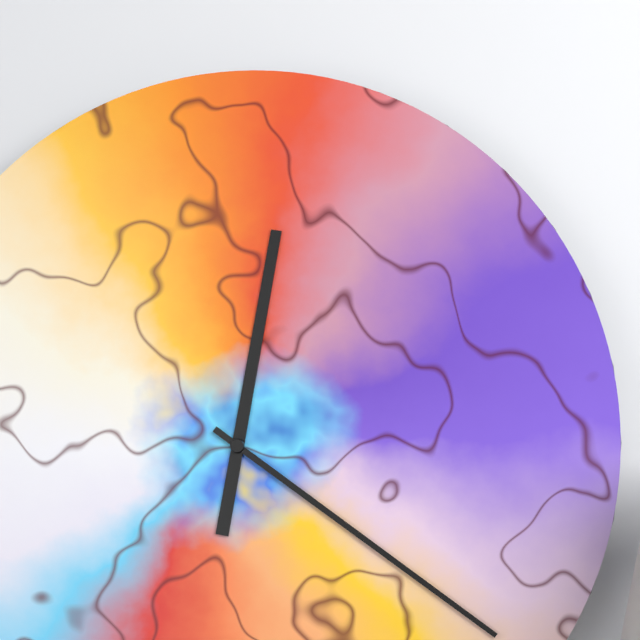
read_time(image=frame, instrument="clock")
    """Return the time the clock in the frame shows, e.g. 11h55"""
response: 12h21
